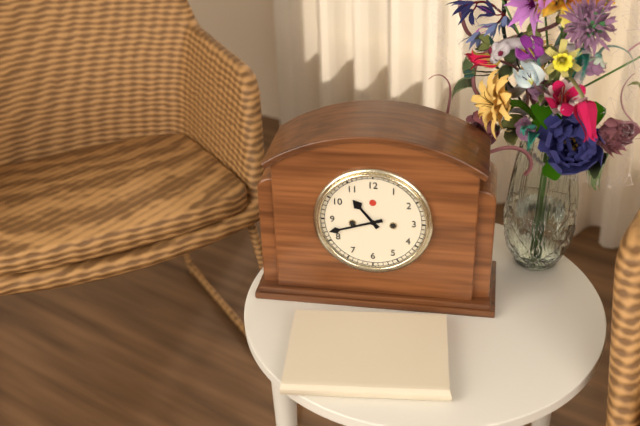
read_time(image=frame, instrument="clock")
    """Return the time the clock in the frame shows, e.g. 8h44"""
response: 10h42
